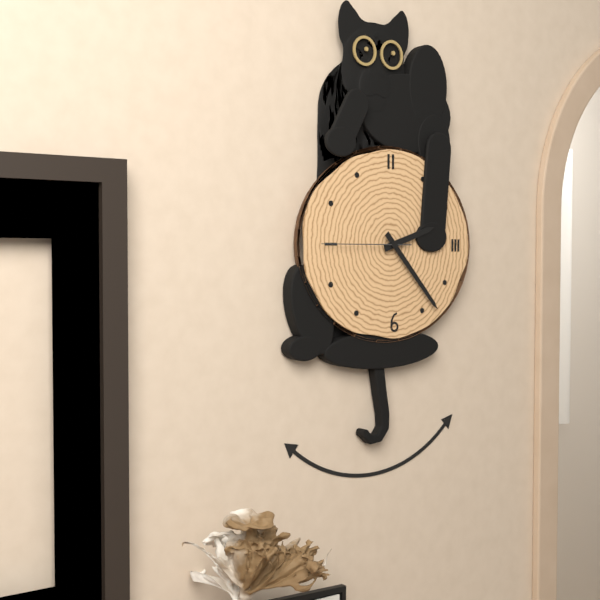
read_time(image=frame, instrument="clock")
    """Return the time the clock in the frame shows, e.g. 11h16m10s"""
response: 2h23m45s
